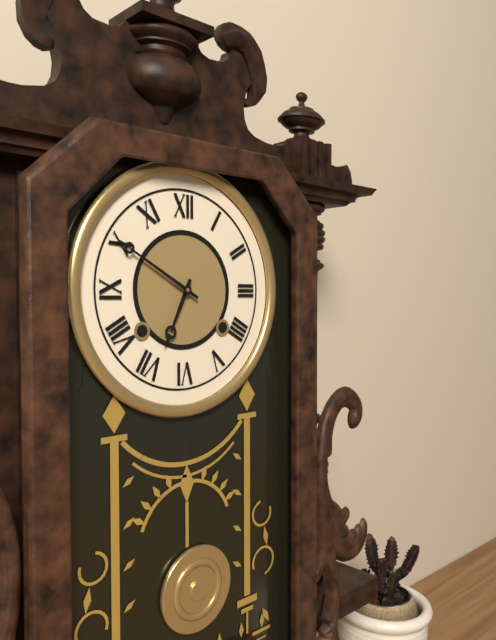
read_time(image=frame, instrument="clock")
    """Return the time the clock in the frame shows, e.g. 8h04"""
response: 6h50
